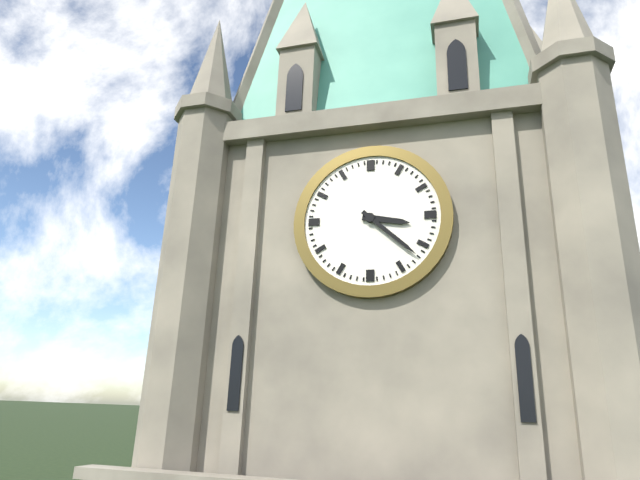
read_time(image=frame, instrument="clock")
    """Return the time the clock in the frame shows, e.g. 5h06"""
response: 3h22
